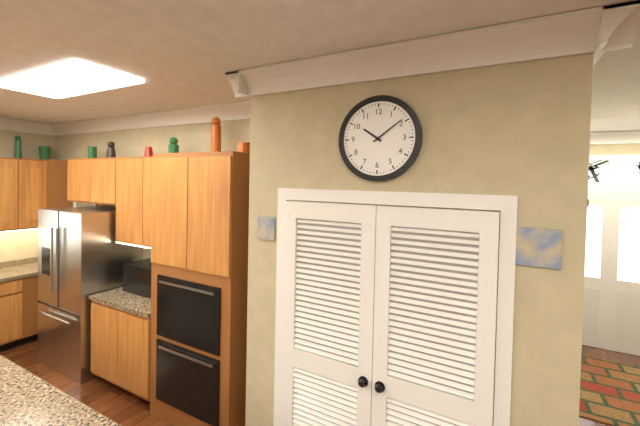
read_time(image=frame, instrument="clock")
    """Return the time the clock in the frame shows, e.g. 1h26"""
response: 10h09
